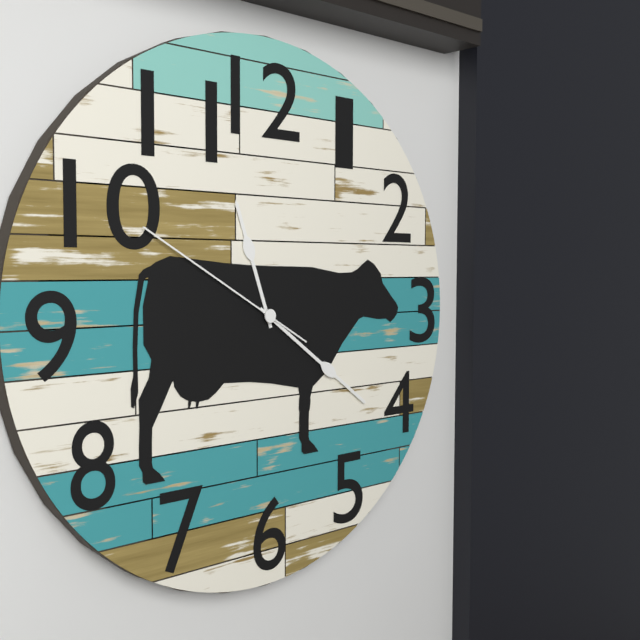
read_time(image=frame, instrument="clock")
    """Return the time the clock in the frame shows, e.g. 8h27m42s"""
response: 11h21m50s
